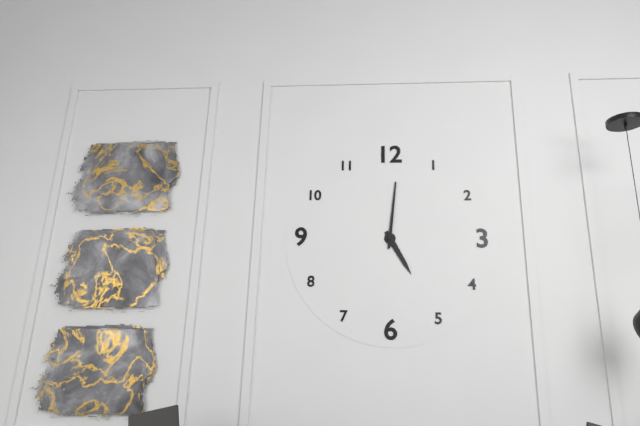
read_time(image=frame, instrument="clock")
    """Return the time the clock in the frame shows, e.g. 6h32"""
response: 5h01
